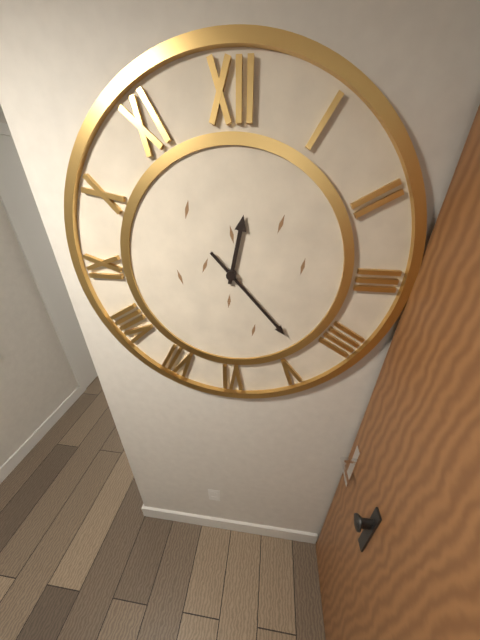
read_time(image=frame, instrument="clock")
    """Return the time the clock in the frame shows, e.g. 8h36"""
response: 12h23
